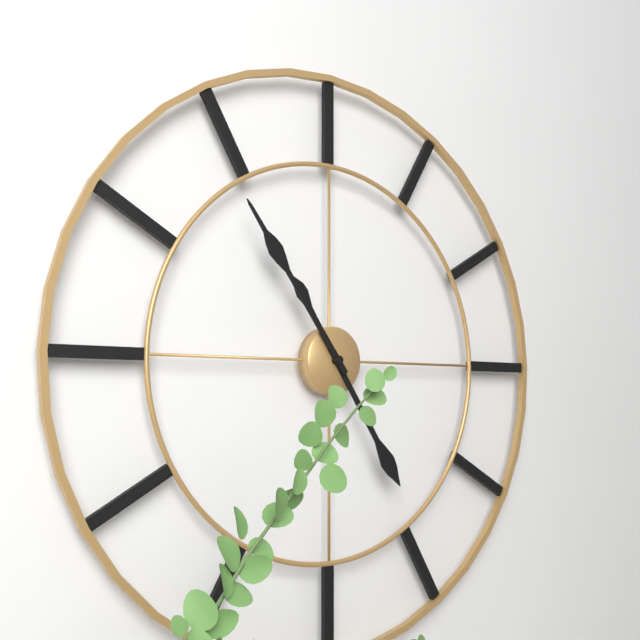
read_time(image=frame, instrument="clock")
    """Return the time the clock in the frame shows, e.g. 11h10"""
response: 4h54
